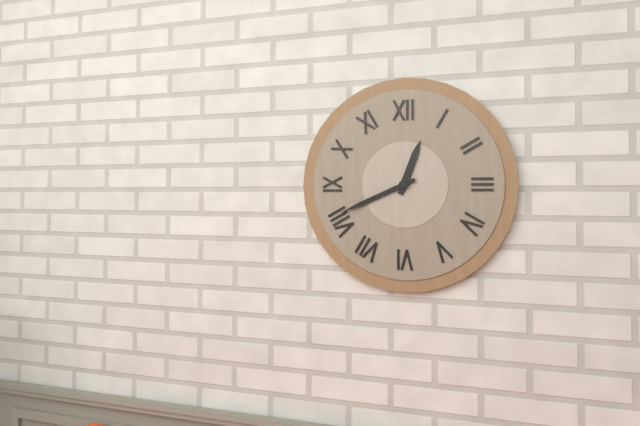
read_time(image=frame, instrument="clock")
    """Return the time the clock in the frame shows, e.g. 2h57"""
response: 12h41
